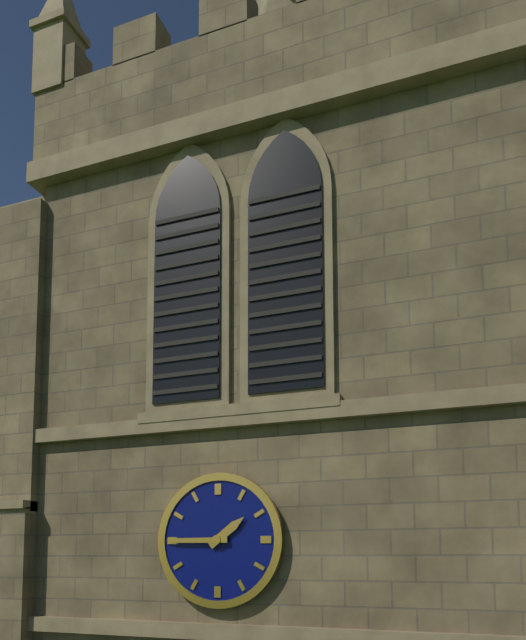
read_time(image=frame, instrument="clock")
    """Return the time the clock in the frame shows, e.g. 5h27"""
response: 1h45
